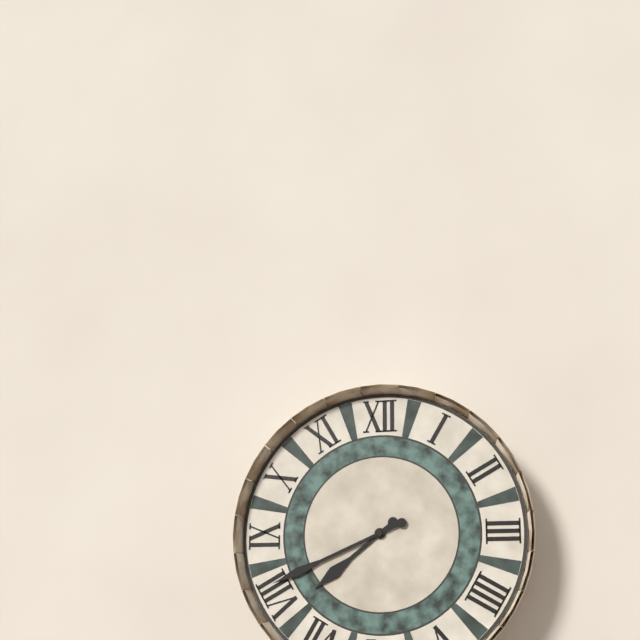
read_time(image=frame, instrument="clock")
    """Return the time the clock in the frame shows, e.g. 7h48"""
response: 7h41
